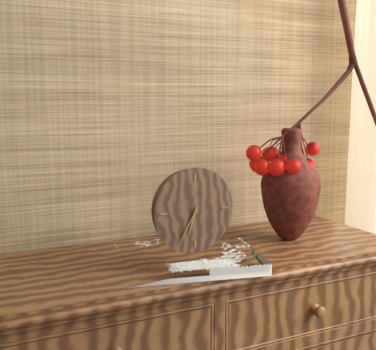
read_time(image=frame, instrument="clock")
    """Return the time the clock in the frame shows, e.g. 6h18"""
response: 6h35
